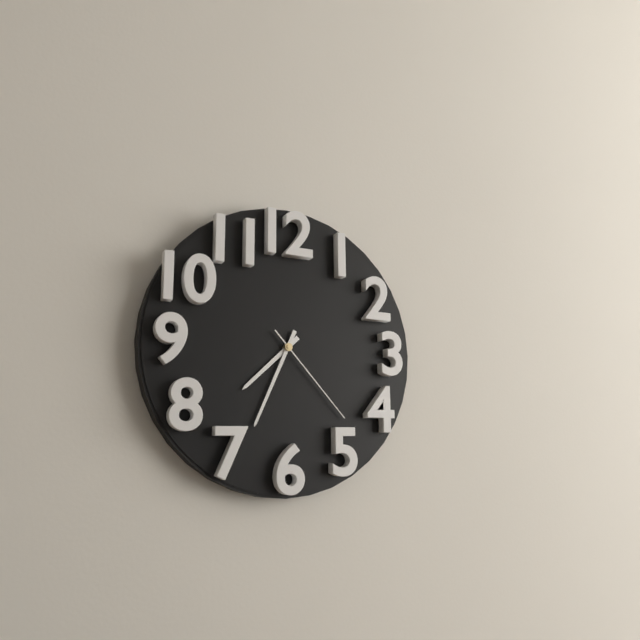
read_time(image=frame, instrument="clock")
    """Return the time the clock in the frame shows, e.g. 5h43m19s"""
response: 7h34m23s
